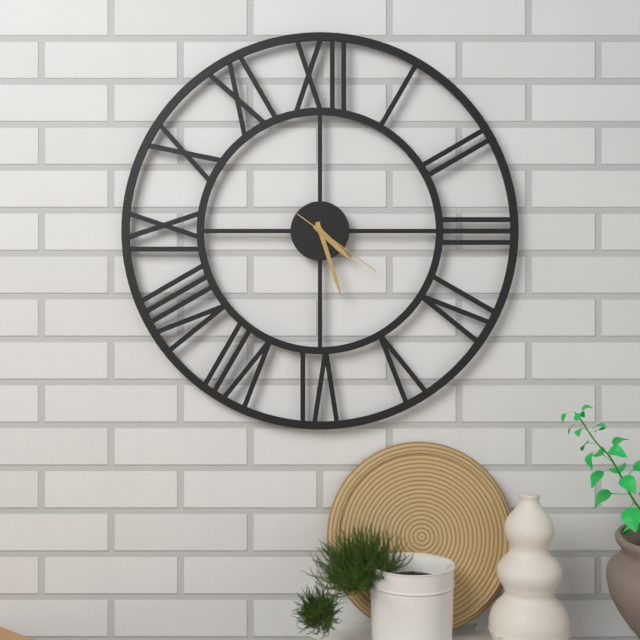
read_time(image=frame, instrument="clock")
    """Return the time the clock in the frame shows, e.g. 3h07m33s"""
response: 4h27m21s
